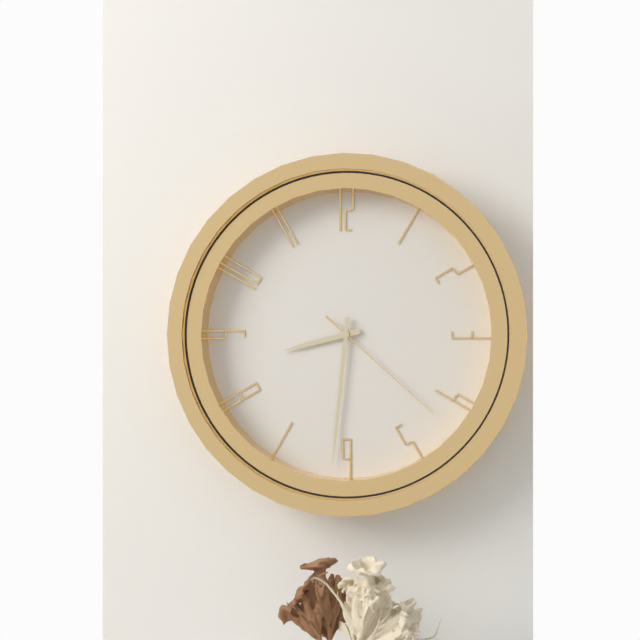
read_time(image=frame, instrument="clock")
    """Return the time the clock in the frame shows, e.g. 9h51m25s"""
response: 8h31m22s
